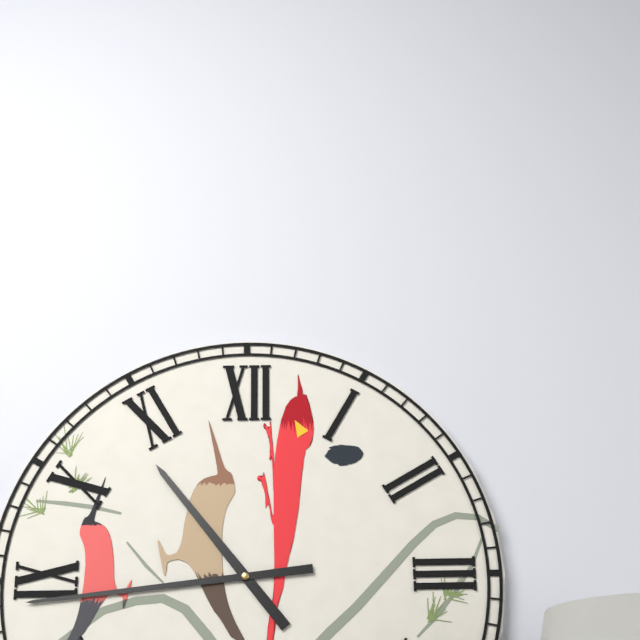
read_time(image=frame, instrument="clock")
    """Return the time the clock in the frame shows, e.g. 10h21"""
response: 10h44
